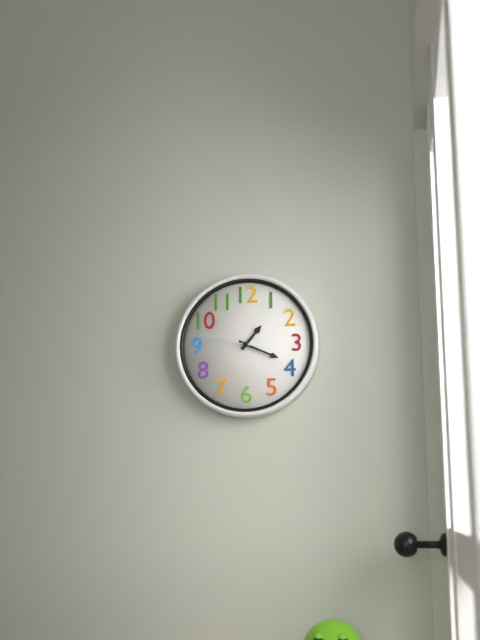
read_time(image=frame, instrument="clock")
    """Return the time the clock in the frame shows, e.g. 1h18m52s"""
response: 1h19m47s
